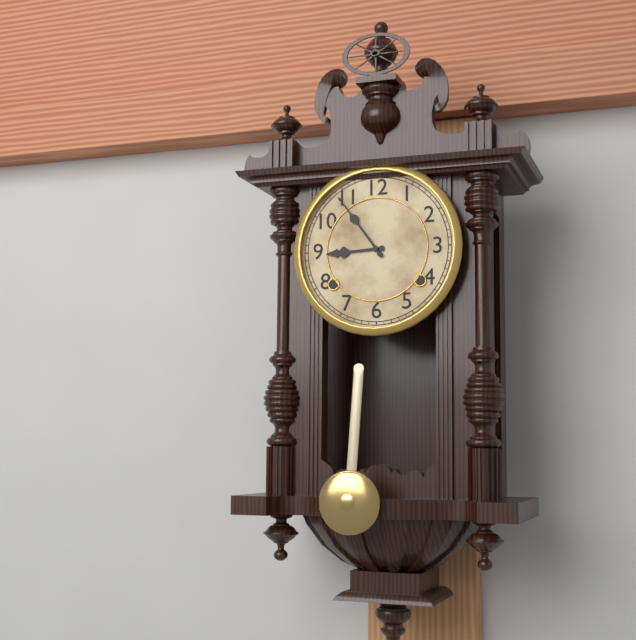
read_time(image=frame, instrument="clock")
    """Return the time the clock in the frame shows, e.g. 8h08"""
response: 8h54
